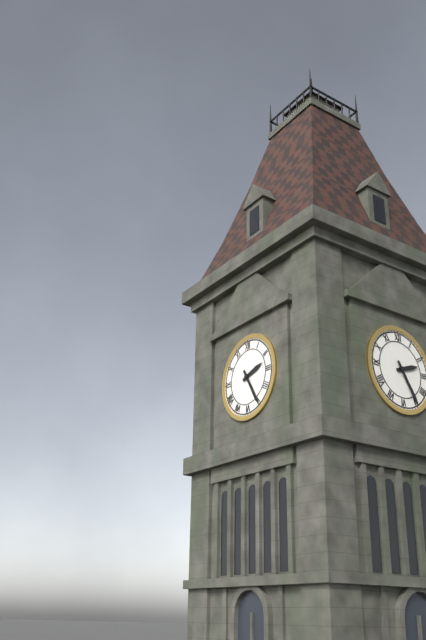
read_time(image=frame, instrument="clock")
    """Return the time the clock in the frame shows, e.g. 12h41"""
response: 2h25
